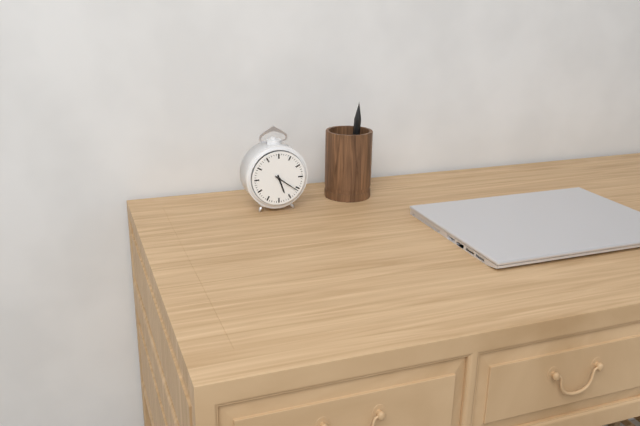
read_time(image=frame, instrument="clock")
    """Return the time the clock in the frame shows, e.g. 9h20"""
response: 5h21
